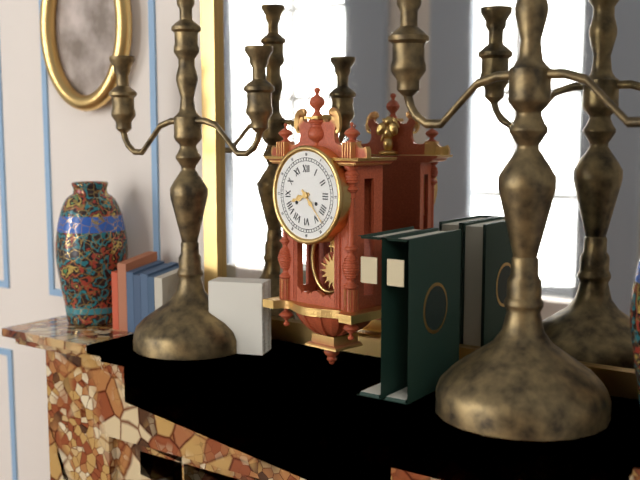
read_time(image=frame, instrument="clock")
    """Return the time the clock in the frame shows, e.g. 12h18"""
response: 8h23
